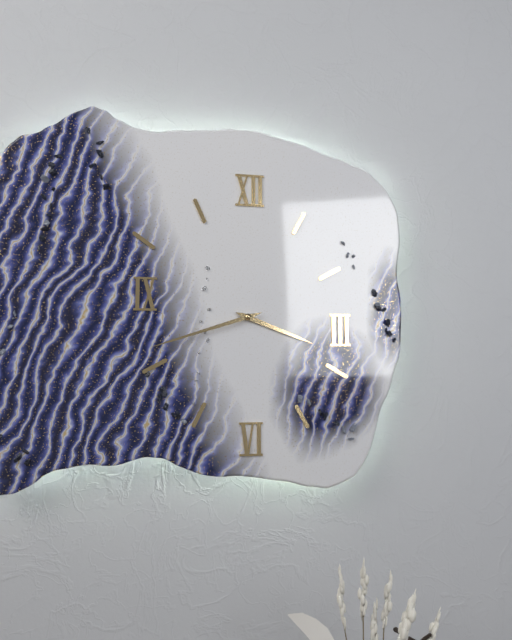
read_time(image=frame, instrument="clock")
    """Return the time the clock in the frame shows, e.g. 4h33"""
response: 3h42
